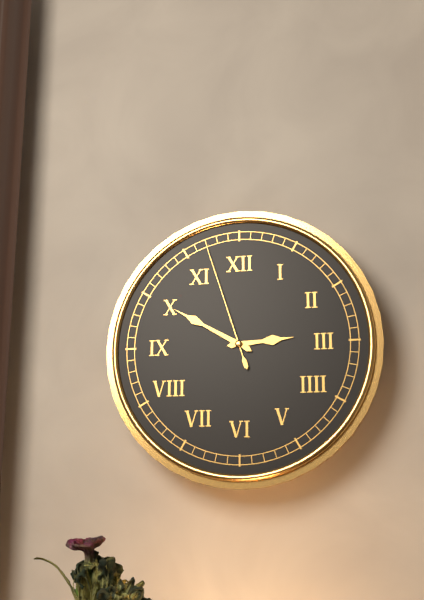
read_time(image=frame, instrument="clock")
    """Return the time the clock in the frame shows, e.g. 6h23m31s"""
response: 2h50m57s
